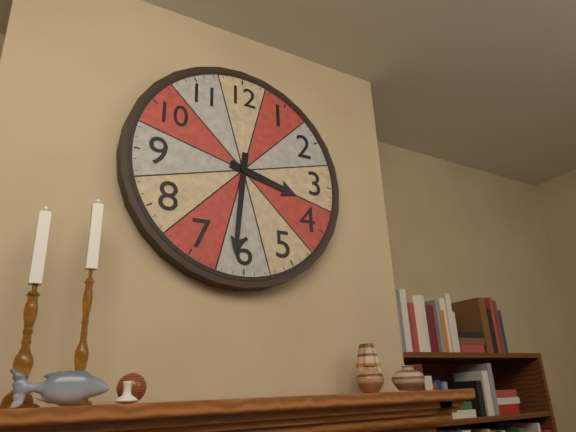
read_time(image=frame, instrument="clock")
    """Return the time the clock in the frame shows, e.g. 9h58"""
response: 3h31
